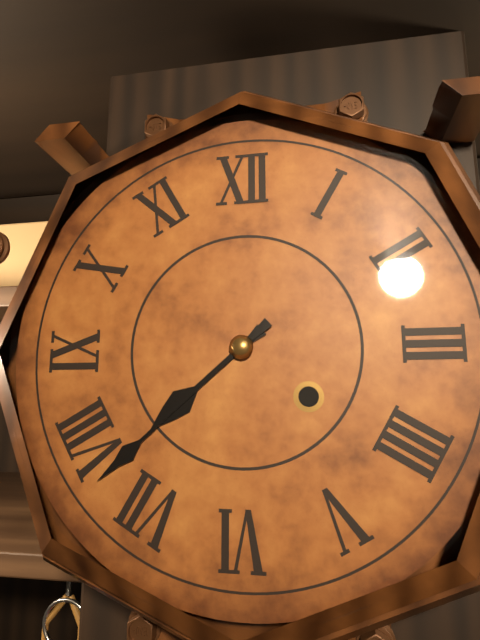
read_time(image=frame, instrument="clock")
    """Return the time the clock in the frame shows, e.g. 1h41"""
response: 7h38
